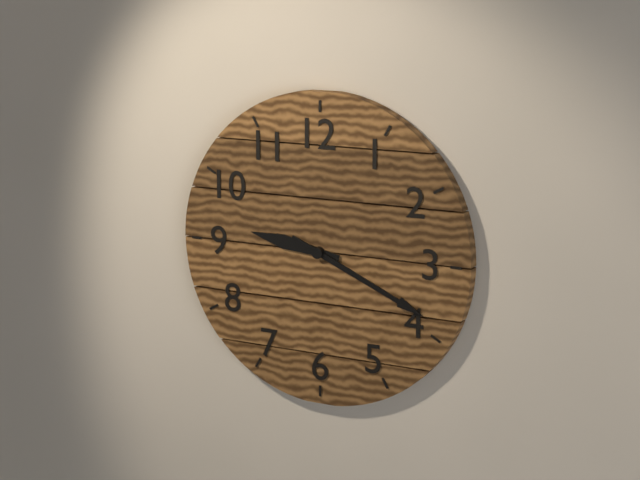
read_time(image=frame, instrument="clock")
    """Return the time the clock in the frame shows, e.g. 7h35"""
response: 9h19
